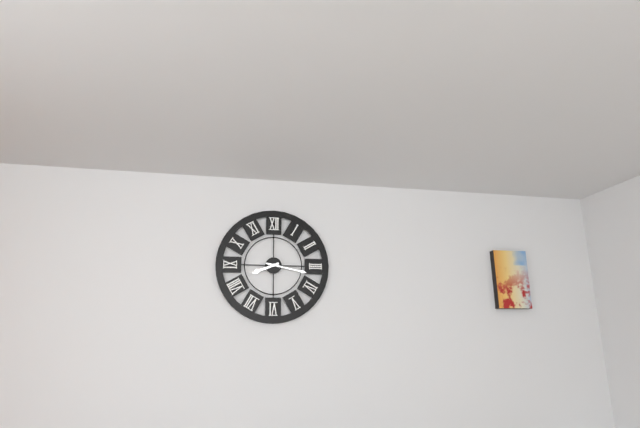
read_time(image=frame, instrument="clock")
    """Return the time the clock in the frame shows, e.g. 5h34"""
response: 8h17
